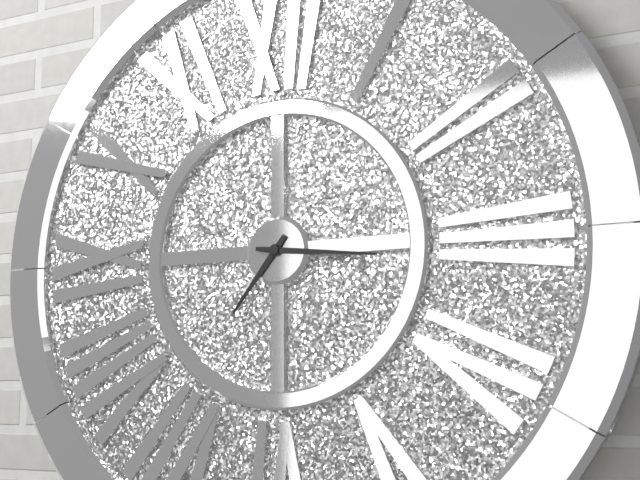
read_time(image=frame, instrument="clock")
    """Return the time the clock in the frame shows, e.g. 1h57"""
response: 7h16
